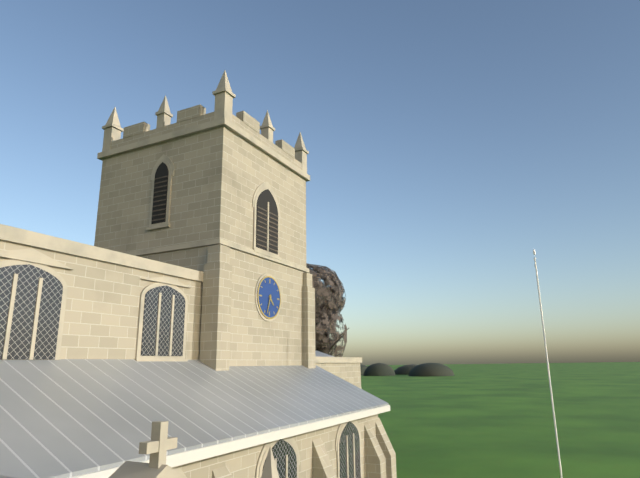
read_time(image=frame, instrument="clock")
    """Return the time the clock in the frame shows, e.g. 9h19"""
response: 4h33
